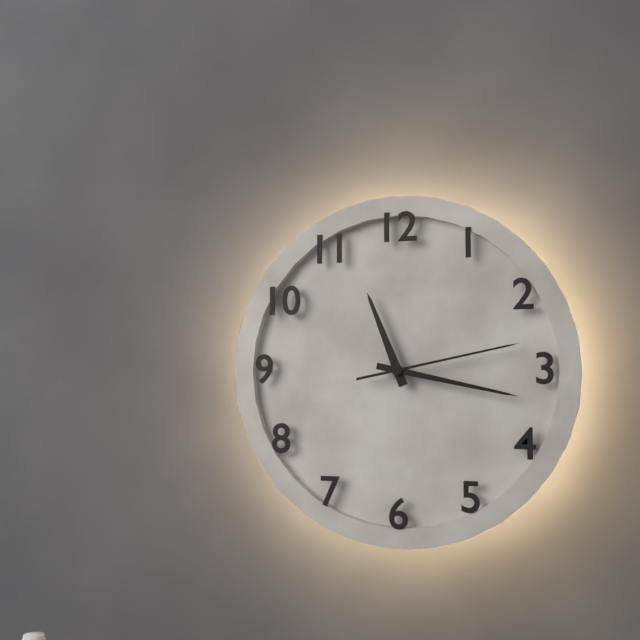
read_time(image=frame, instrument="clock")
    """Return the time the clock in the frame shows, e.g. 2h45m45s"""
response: 11h17m13s
